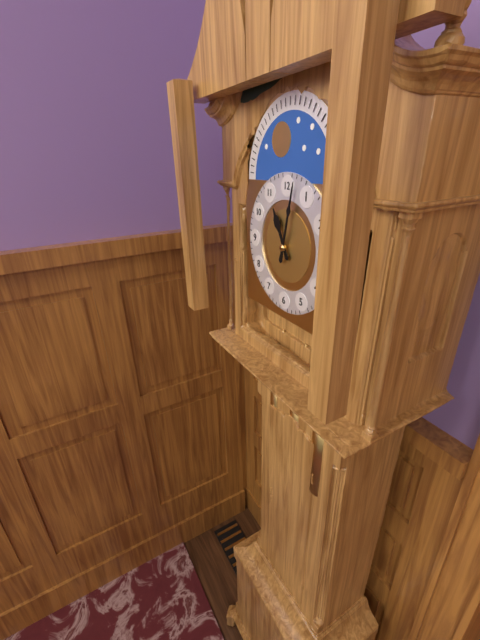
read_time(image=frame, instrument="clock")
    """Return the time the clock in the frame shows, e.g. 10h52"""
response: 11h02
